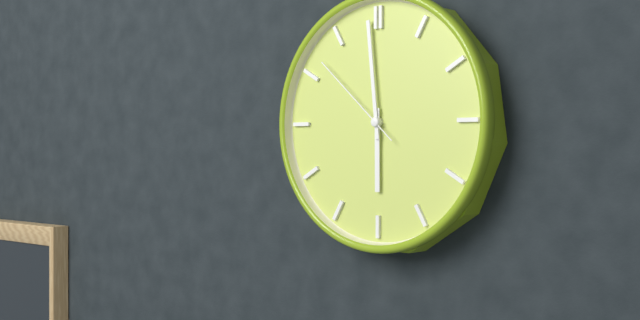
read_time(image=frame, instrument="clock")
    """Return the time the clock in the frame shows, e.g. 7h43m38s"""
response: 5h59m52s
